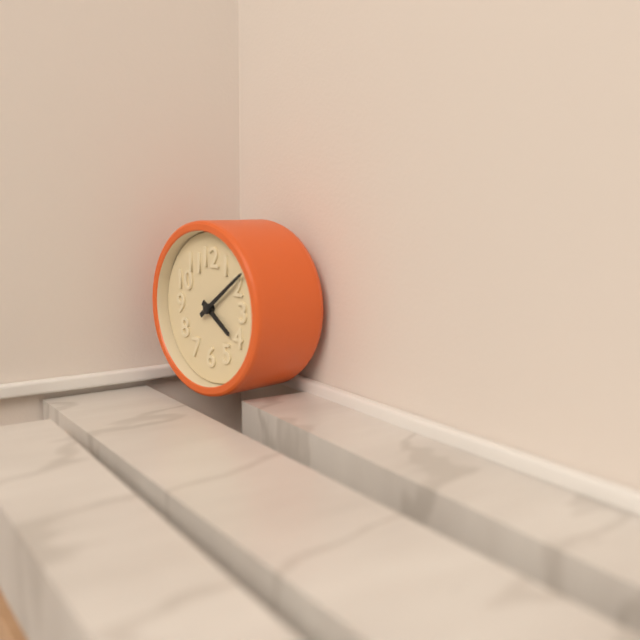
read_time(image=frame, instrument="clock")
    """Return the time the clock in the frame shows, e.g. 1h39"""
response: 4h09
